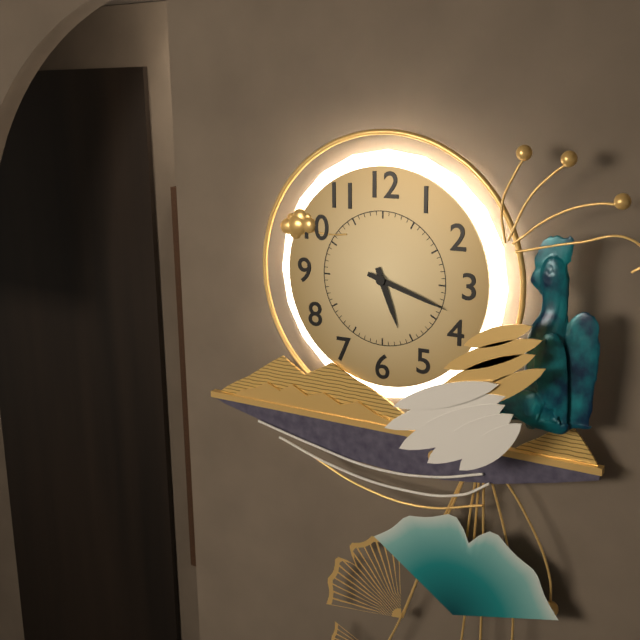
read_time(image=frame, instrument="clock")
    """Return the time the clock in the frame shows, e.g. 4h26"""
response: 5h18
